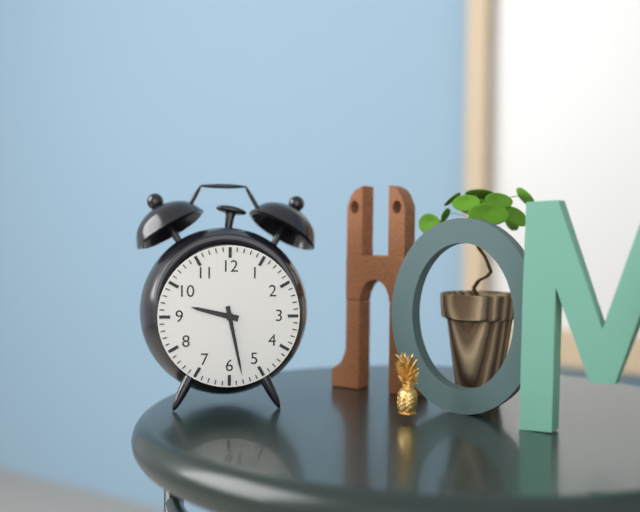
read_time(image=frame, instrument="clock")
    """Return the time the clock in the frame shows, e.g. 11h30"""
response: 9h28
